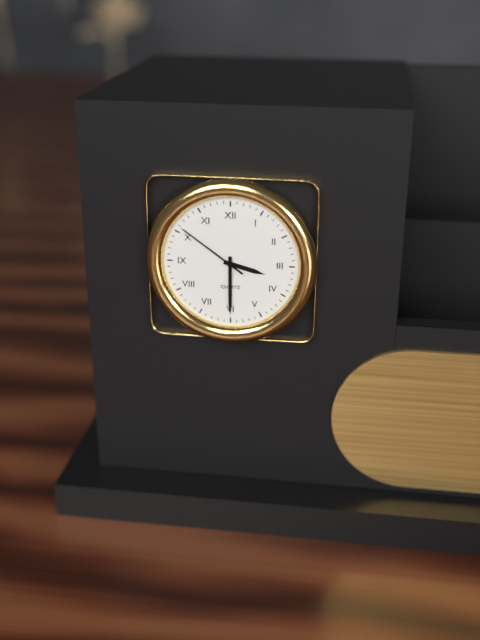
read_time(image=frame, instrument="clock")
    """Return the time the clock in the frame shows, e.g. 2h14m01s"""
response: 3h30m51s
